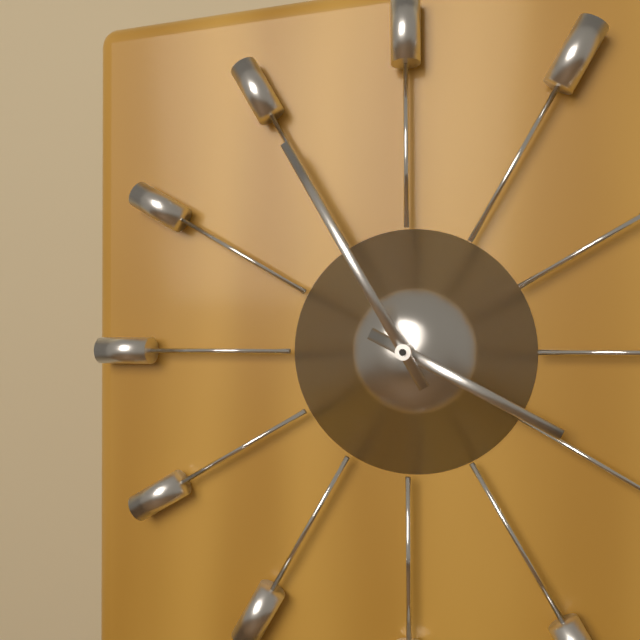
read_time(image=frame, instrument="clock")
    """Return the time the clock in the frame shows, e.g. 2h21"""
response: 3h55
